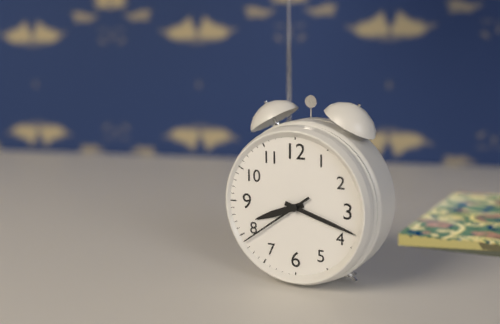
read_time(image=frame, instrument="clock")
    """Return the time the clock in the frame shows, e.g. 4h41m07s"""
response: 8h18m39s
